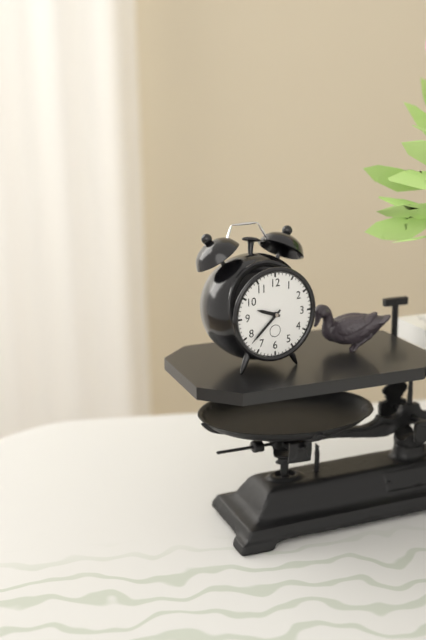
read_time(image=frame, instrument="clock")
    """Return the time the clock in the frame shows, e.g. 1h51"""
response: 9h38
